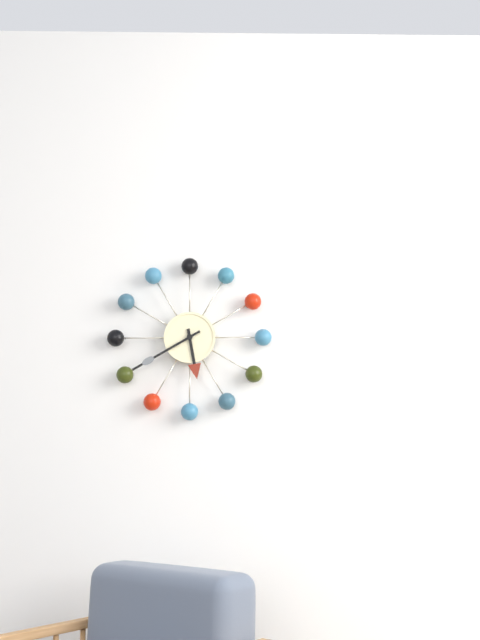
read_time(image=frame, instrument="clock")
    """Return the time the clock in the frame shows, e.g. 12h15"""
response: 5h40
